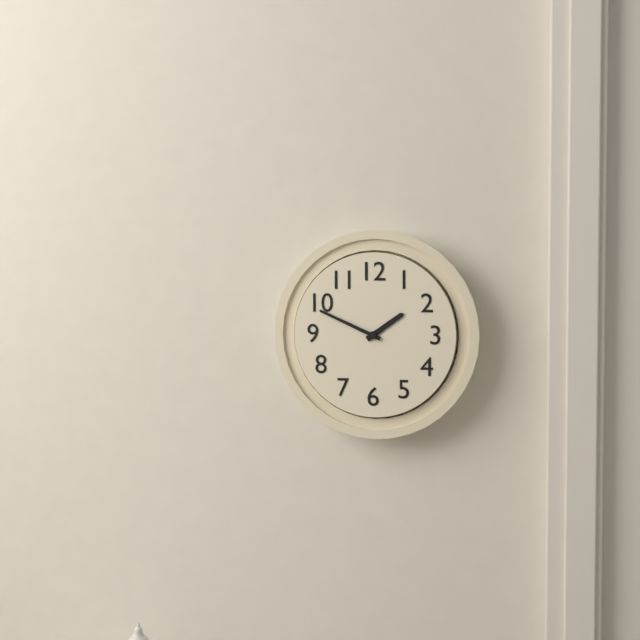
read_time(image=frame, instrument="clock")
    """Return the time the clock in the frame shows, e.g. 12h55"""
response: 1h49
